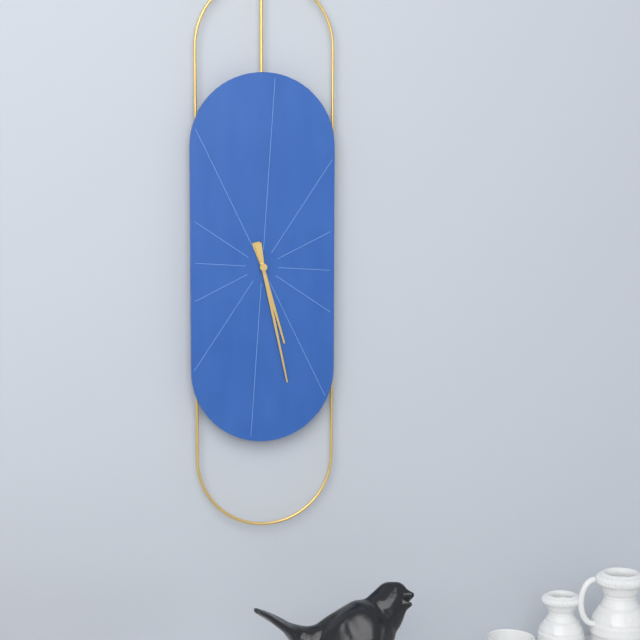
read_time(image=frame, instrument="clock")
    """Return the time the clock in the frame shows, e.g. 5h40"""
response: 5h28
